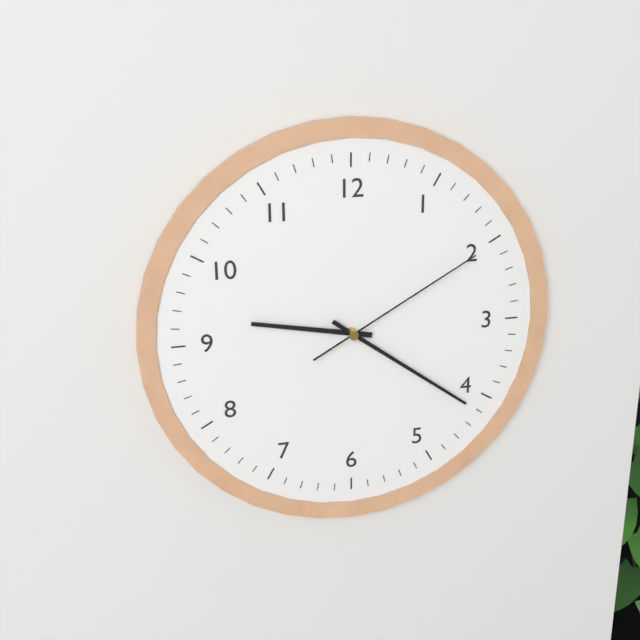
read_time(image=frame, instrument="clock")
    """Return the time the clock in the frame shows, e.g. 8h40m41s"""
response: 9h21m10s
